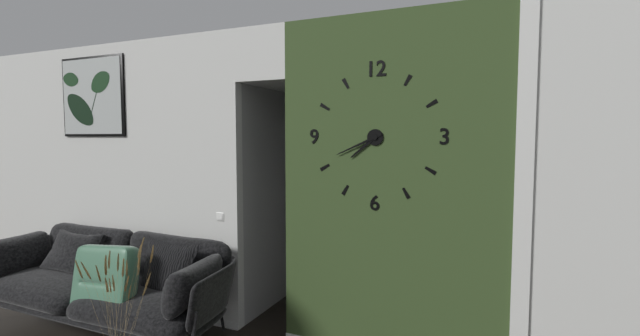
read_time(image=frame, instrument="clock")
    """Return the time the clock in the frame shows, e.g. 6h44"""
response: 7h41
